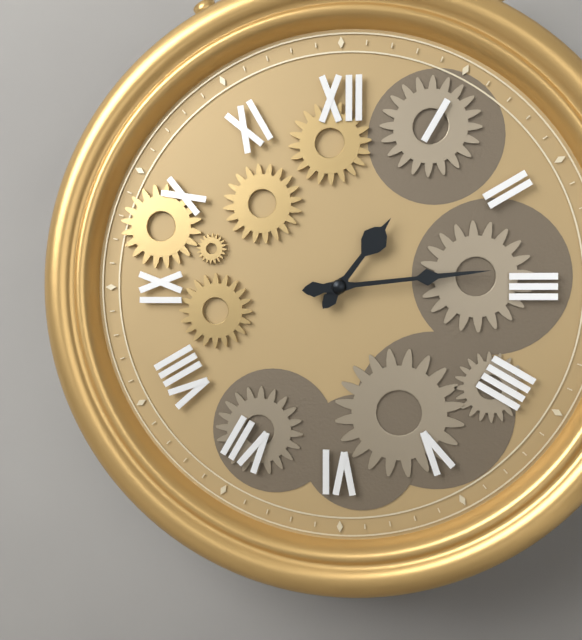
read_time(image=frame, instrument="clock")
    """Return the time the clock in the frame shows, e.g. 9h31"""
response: 1h14
